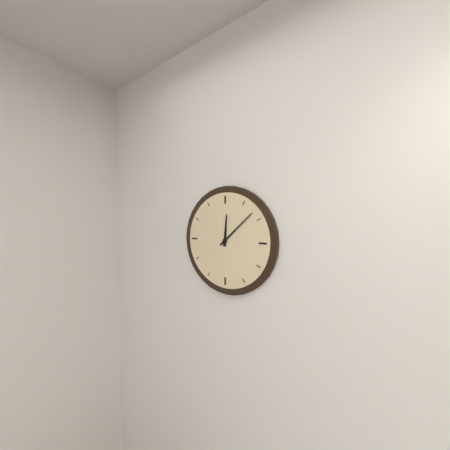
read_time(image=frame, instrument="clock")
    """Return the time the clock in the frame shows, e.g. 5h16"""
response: 12h08
